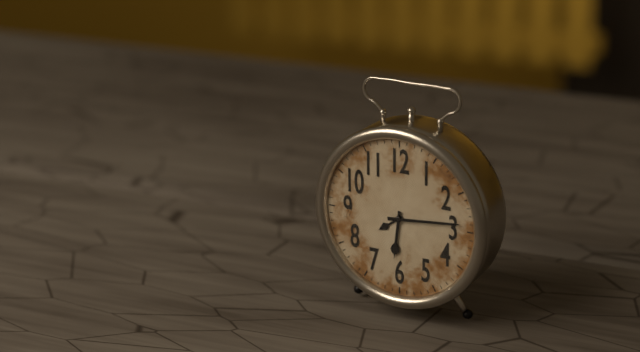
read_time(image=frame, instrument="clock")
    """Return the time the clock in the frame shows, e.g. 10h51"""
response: 6h14
